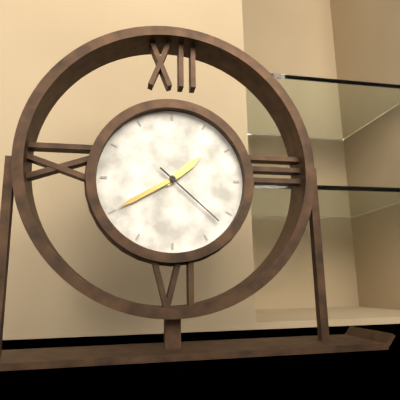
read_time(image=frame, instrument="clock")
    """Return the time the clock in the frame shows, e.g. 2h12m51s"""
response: 1h40m22s
